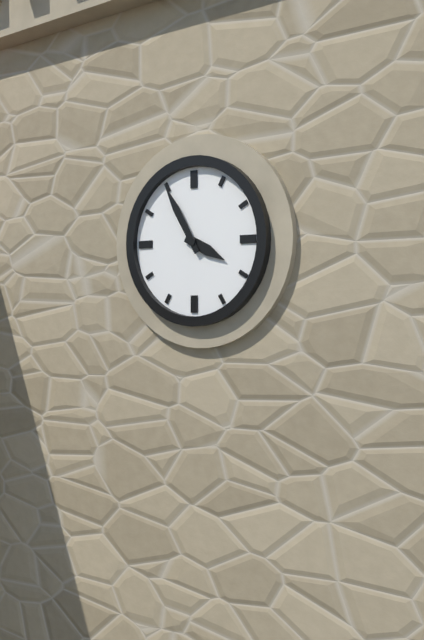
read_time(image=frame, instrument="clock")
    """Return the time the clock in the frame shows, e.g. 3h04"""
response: 3h55
